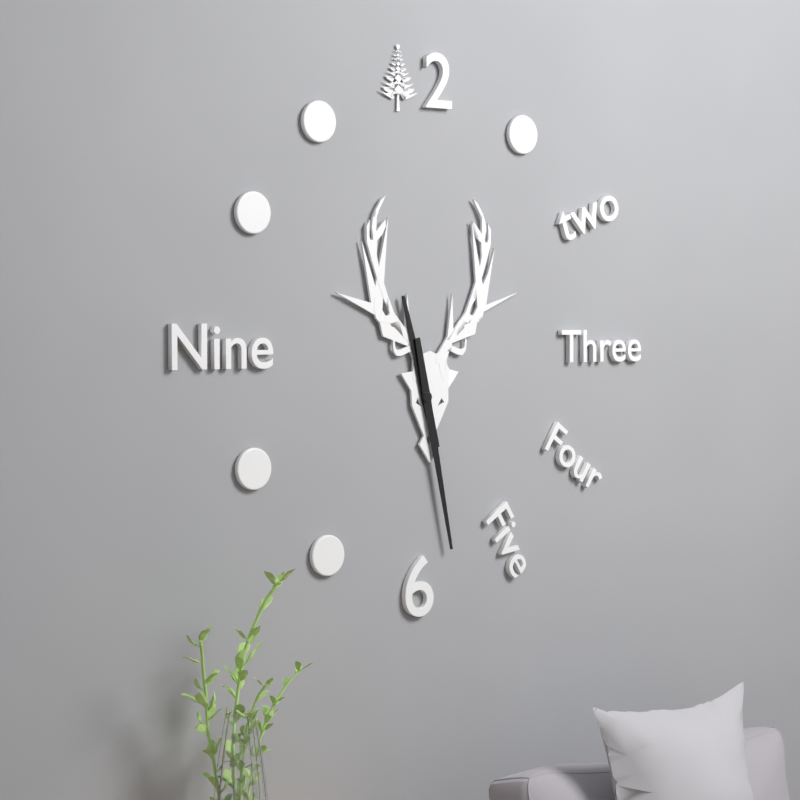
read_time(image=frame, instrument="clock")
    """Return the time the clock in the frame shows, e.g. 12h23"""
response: 11h28
